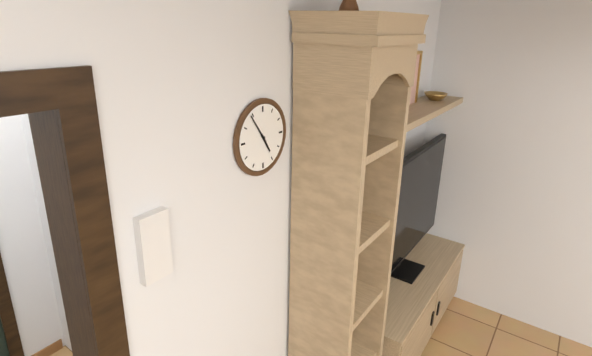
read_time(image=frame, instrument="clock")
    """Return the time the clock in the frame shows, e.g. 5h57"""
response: 4h54
